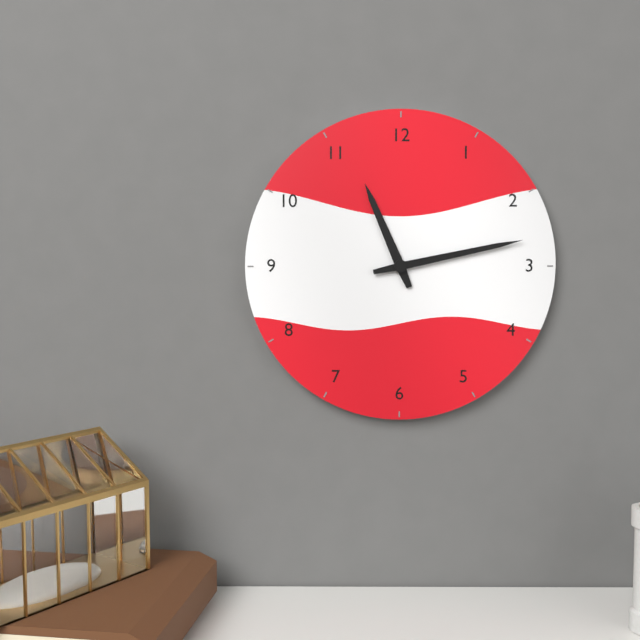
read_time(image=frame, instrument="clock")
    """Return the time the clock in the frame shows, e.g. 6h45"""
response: 11h13
